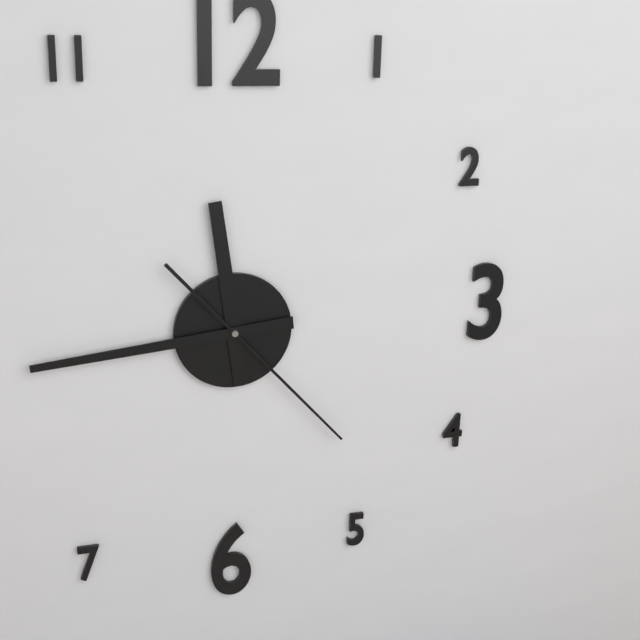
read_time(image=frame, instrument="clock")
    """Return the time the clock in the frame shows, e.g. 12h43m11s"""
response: 11h44m23s
